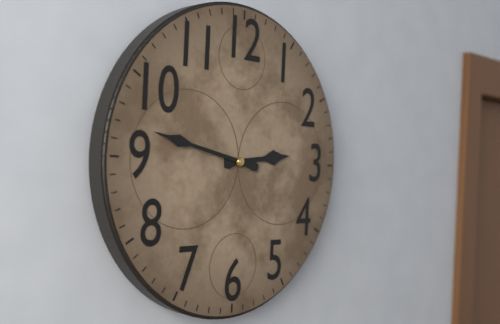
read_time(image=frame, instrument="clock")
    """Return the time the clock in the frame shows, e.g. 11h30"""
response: 2h47
